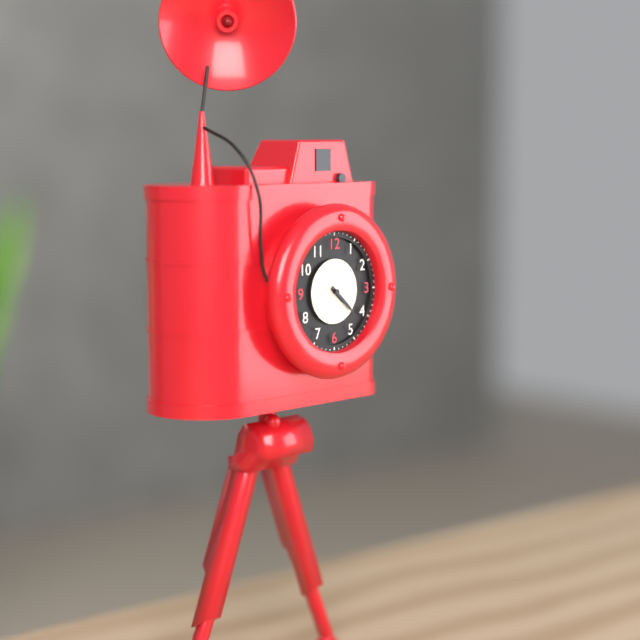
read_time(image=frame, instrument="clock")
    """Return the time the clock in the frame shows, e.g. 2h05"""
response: 4h22
